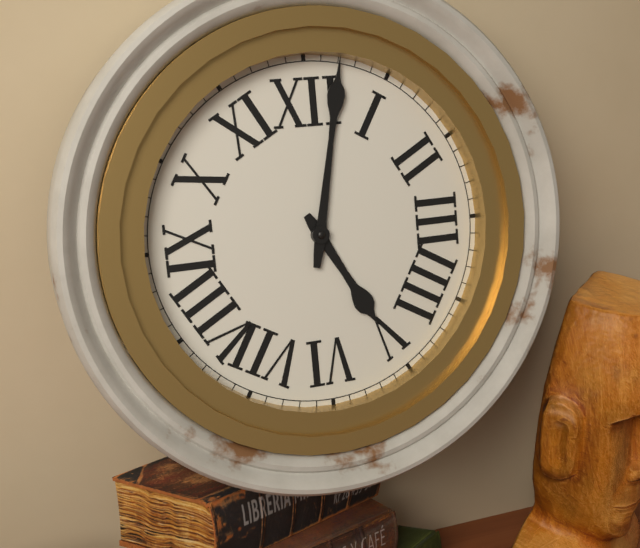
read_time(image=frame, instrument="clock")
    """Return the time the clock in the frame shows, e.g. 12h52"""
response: 5h02
